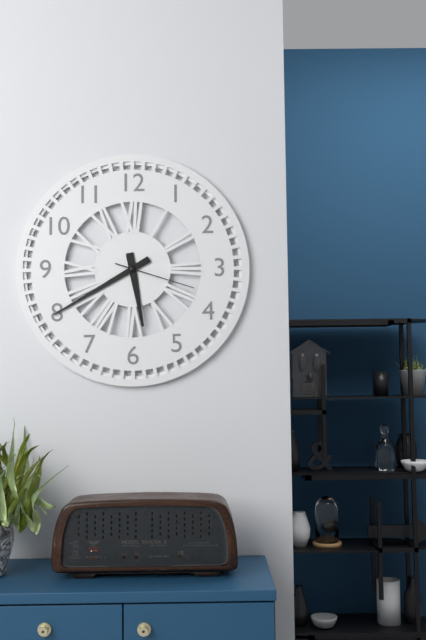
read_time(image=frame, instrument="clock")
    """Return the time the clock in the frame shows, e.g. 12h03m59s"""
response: 5h40m18s
